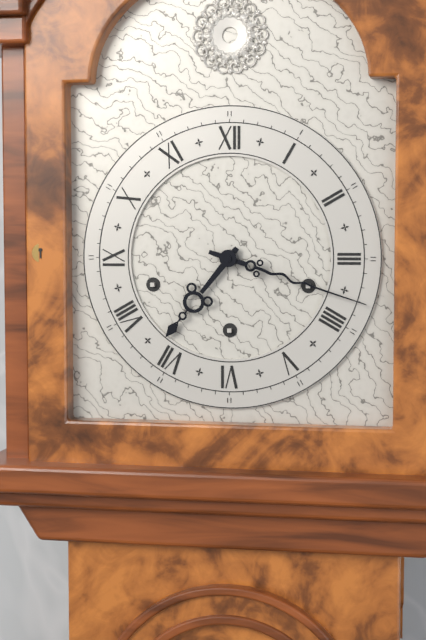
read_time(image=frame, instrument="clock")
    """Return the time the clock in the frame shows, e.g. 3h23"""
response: 7h18
